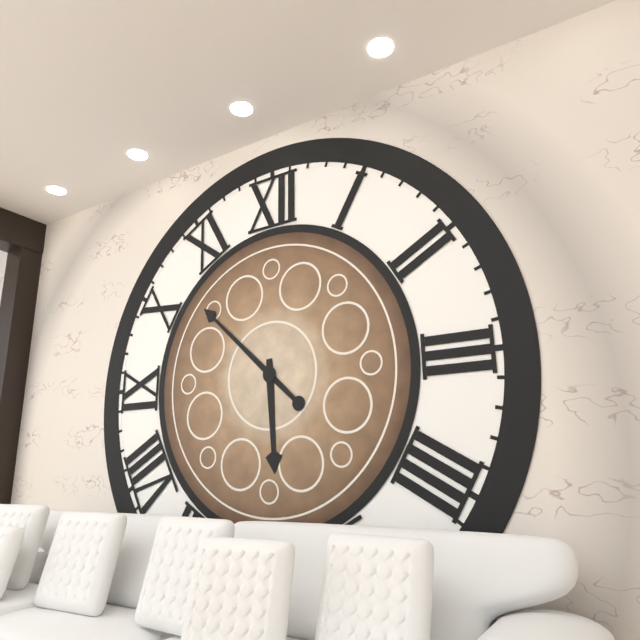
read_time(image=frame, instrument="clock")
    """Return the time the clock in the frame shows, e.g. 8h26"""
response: 5h52
